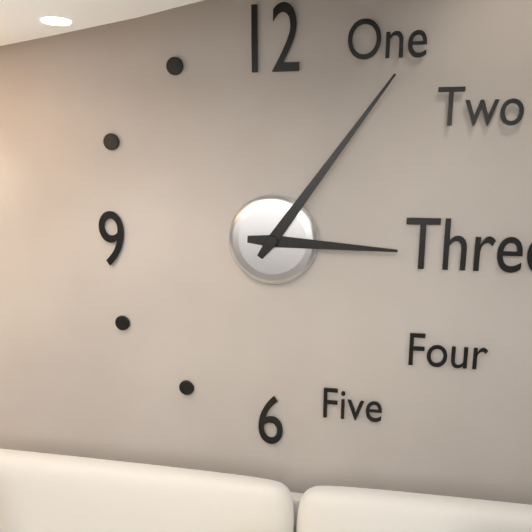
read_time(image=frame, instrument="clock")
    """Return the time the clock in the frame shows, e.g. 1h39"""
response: 3h06
